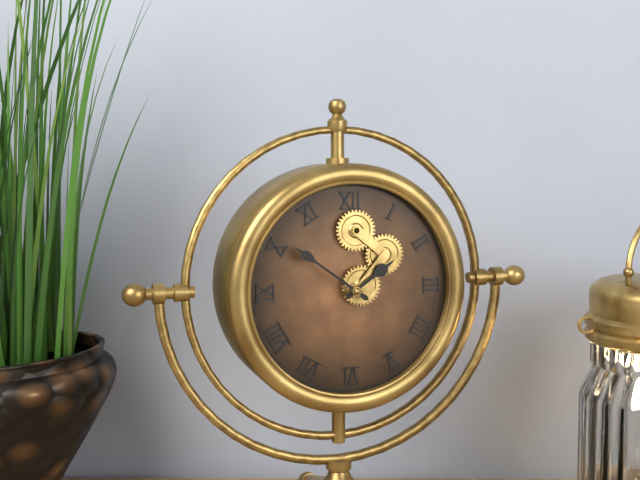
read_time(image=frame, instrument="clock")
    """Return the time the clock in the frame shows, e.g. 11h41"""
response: 1h51
